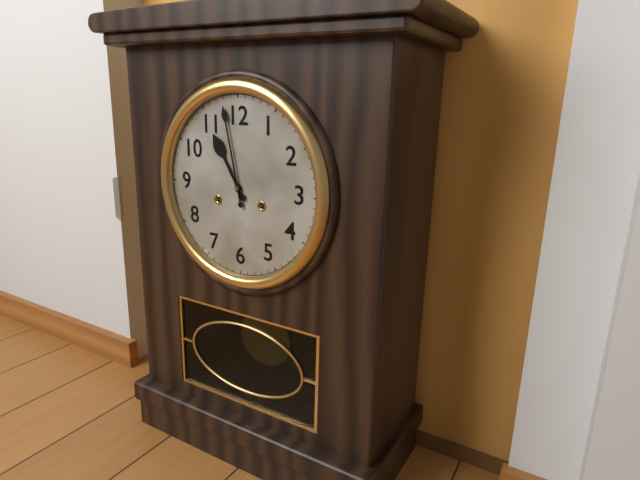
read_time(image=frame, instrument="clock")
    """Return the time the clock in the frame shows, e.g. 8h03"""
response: 10h58
